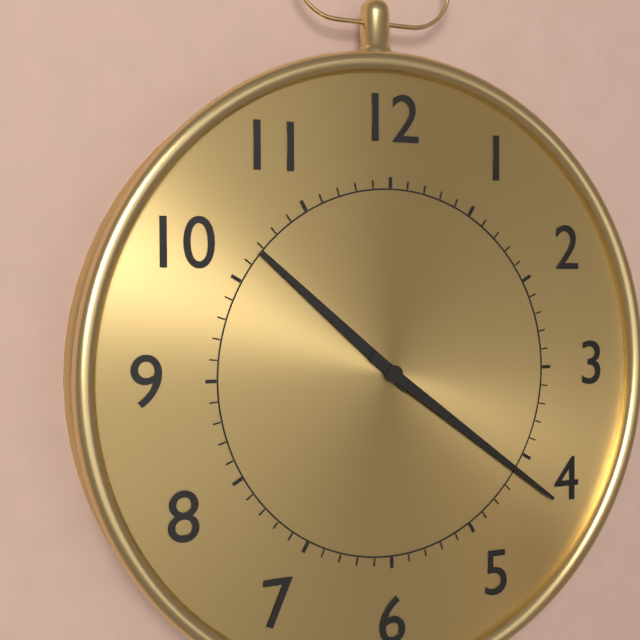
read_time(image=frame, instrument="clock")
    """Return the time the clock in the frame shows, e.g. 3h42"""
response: 10h21
